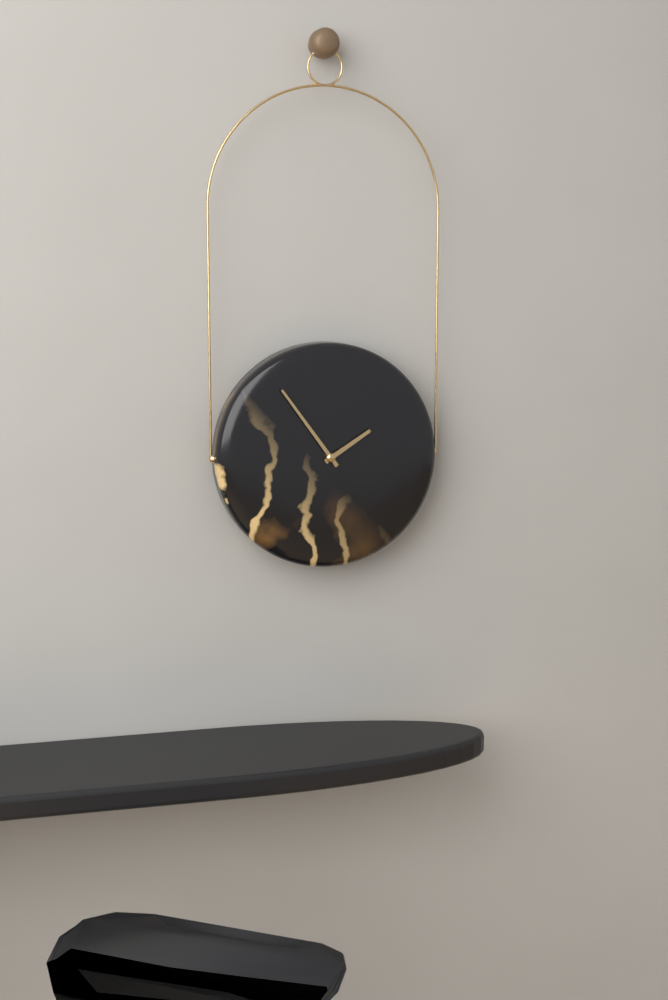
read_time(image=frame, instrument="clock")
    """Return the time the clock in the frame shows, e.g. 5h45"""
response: 1h54
